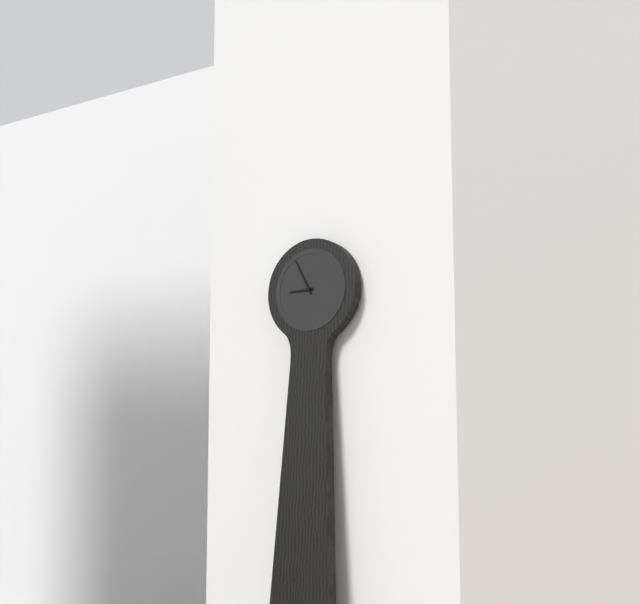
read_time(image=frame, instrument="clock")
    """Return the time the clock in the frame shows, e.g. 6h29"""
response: 8h55
